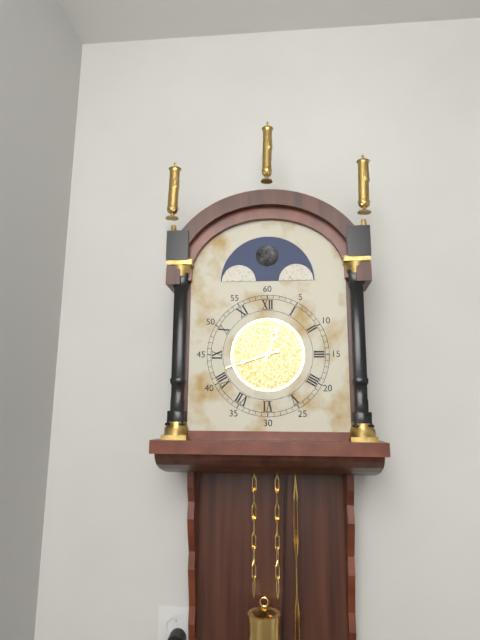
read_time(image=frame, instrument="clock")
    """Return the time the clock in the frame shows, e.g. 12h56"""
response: 12h42
